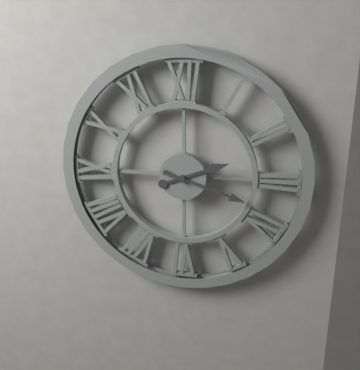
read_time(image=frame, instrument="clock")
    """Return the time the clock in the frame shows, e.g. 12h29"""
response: 2h18
